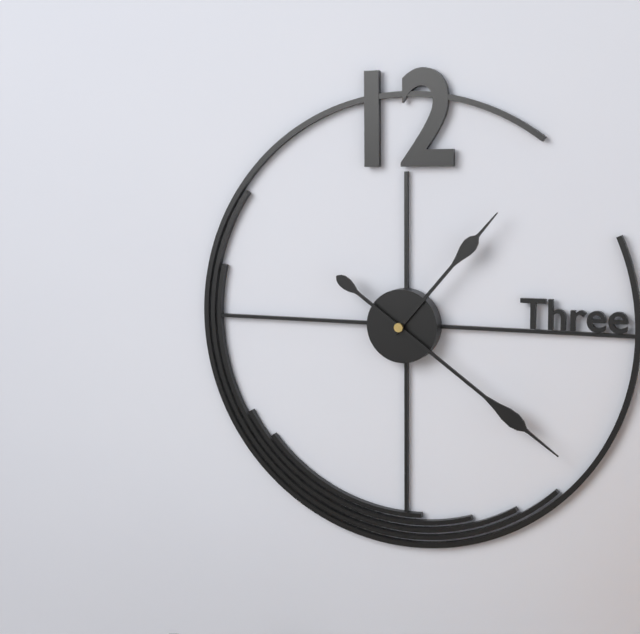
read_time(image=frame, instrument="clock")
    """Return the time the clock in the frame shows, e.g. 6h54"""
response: 1h21
